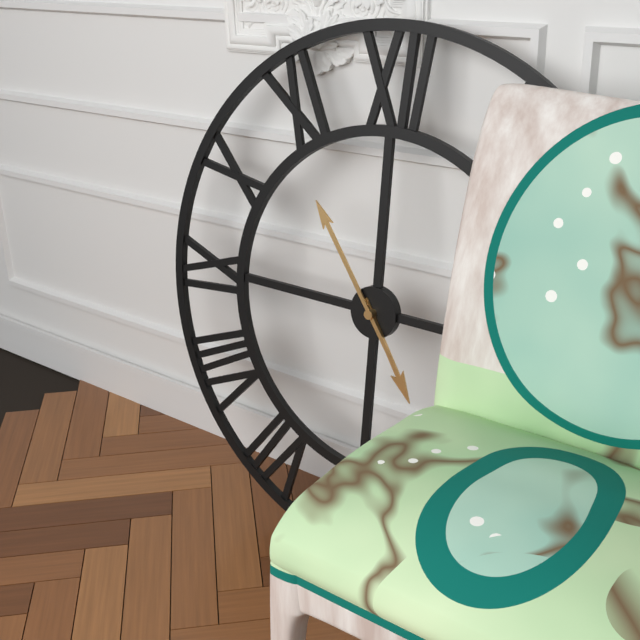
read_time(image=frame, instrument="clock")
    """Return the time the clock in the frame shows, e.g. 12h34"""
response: 4h54
